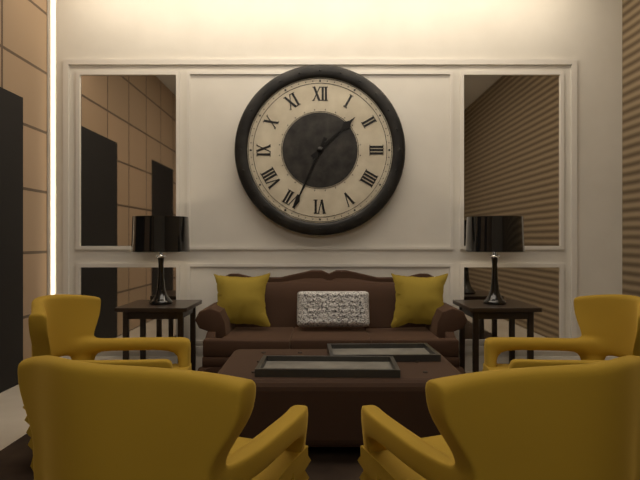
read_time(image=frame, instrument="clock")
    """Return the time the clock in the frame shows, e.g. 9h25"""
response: 1h34
